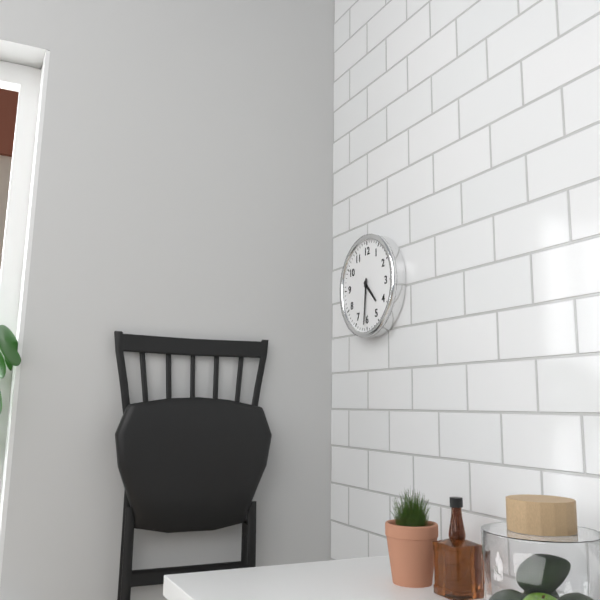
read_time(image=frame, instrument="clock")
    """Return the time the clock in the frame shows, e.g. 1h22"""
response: 4h31
